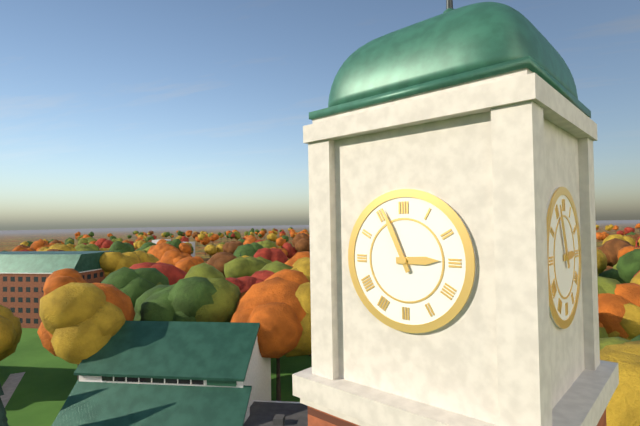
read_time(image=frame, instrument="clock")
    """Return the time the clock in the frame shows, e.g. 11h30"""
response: 2h56
